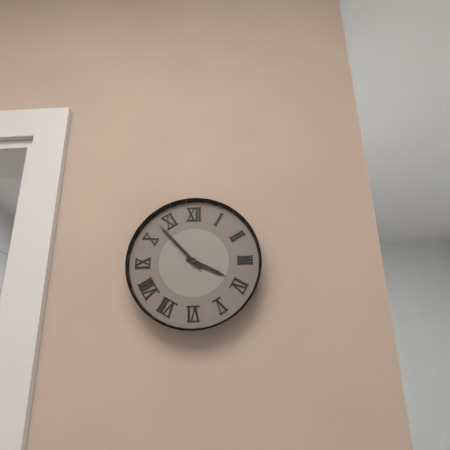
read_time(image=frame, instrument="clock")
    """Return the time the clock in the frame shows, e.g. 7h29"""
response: 3h53
